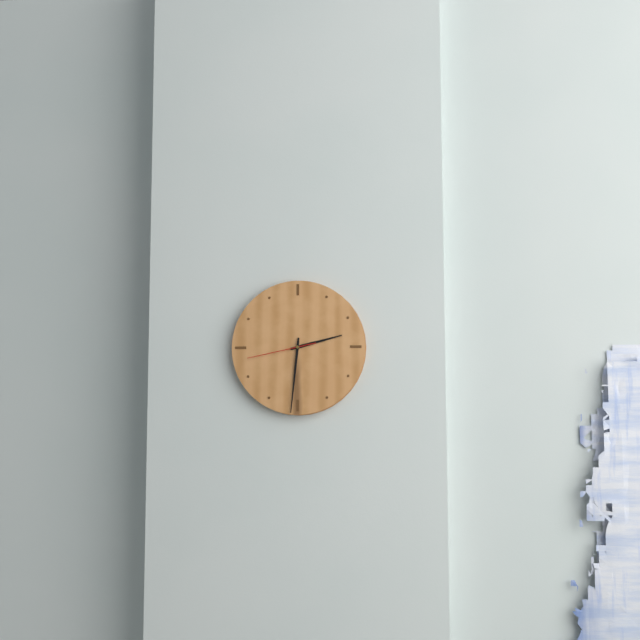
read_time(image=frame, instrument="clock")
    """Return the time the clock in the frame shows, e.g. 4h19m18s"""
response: 2h31m43s
